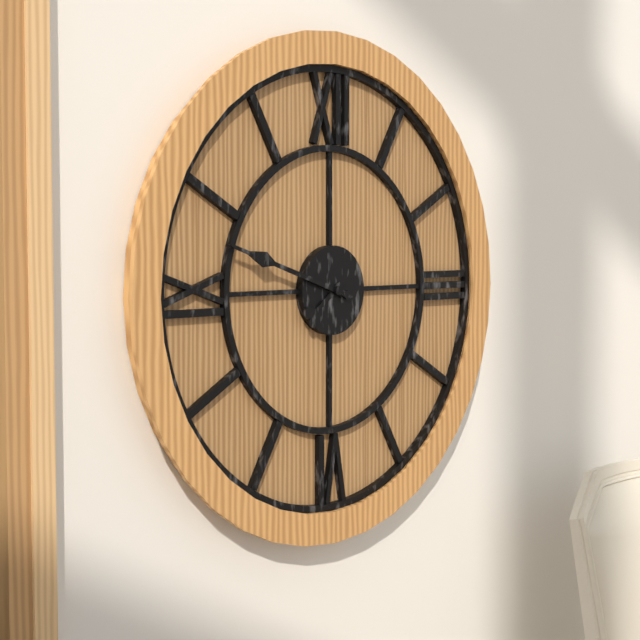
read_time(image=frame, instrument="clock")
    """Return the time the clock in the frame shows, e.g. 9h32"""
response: 7h48
